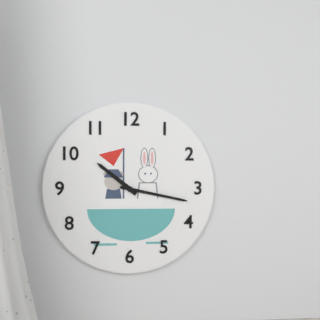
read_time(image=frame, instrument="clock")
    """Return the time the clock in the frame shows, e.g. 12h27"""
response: 10h17
